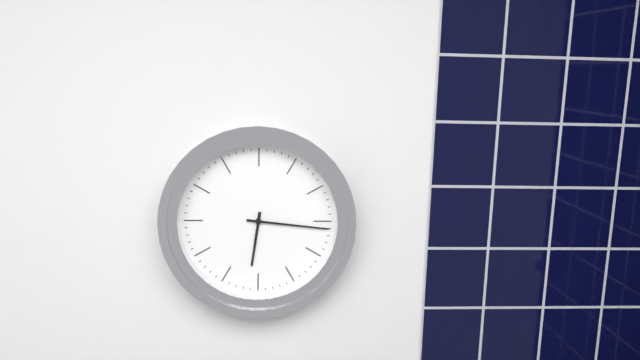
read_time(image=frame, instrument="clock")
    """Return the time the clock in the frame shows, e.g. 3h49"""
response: 6h16
